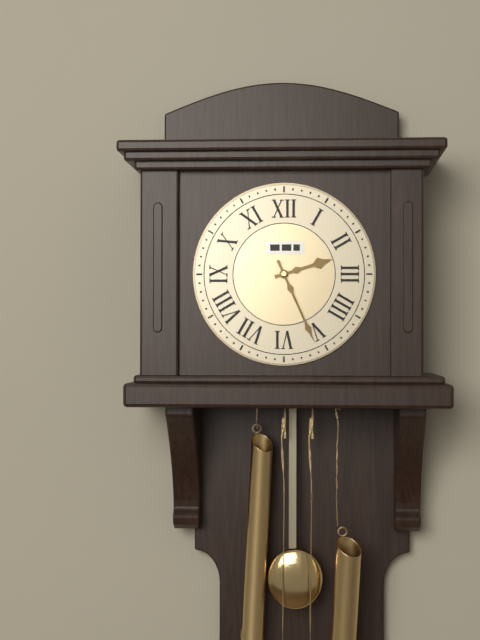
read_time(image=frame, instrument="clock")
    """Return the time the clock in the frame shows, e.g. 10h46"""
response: 2h26
